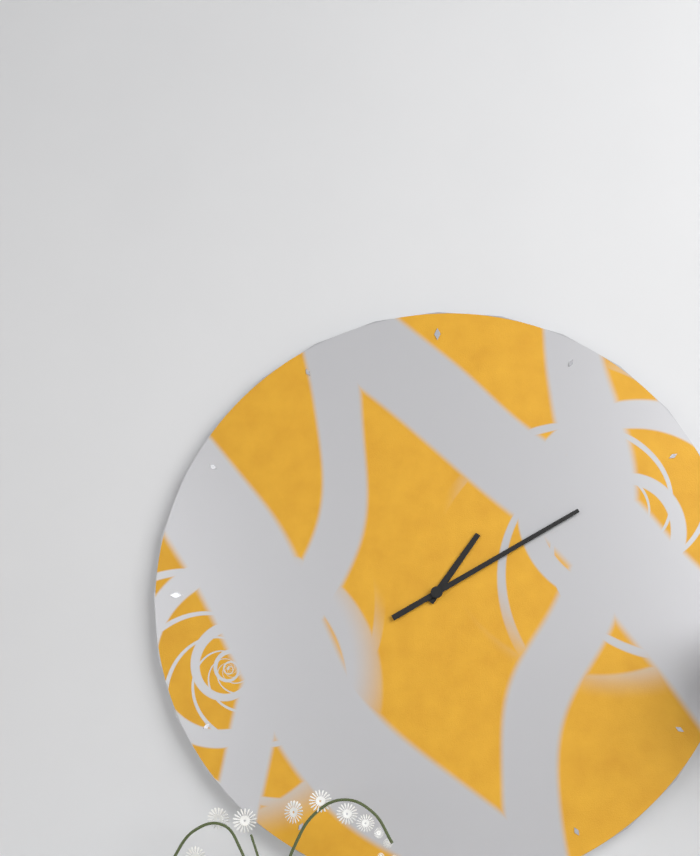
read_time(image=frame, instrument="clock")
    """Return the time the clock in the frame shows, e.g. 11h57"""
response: 1h10
